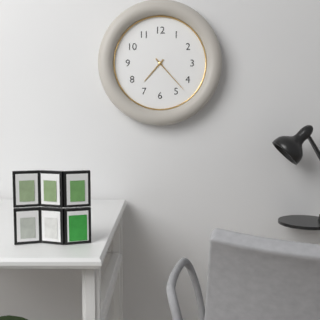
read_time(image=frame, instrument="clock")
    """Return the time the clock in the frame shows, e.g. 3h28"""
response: 7h23
